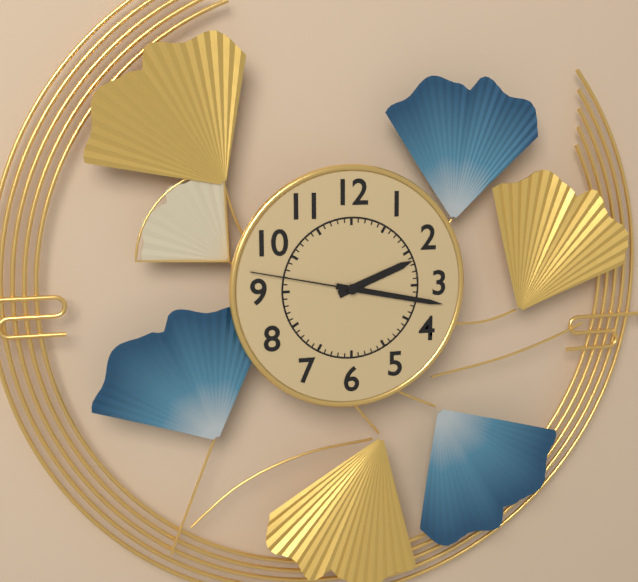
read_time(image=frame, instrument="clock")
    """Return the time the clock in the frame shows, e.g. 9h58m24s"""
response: 2h17m47s
